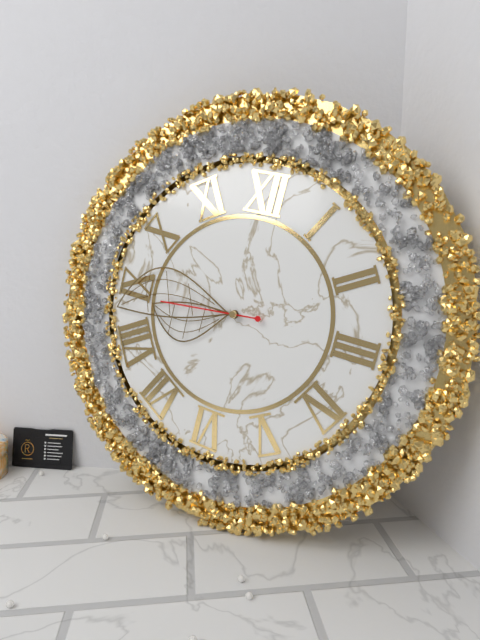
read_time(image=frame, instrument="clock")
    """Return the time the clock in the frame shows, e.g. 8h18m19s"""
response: 8h43m44s
